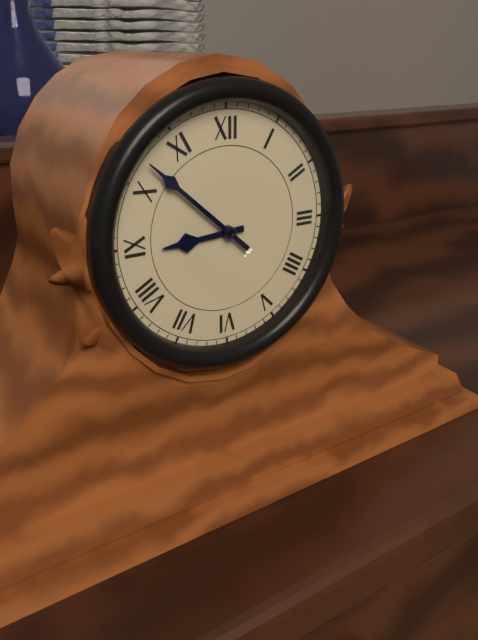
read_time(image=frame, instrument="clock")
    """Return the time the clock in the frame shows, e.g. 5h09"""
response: 8h52
